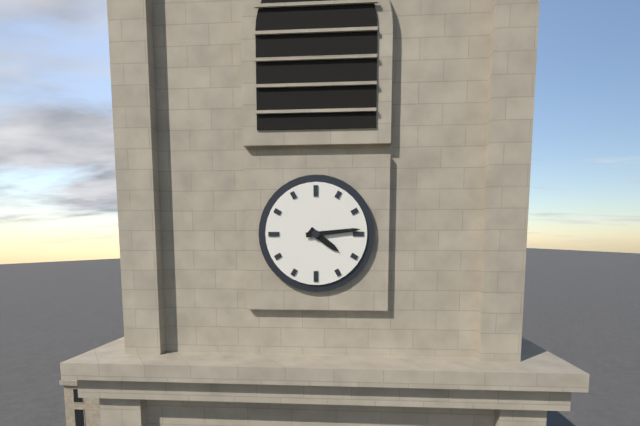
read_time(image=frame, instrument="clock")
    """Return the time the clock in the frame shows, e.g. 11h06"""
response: 4h14
